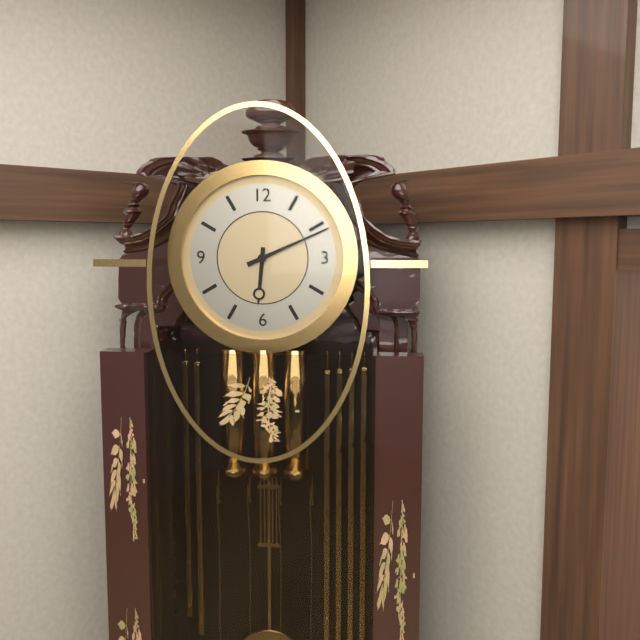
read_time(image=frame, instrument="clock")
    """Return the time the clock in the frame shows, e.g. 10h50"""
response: 6h11
